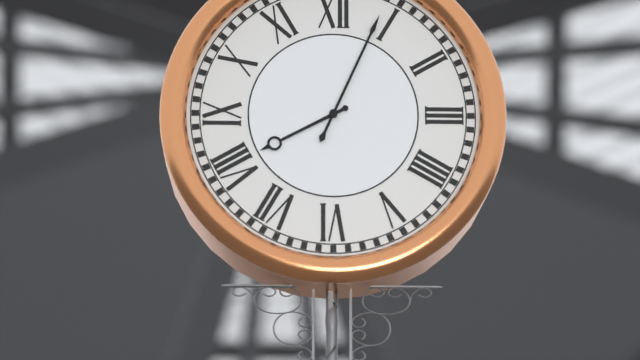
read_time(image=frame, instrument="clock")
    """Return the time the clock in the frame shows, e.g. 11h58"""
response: 8h04
